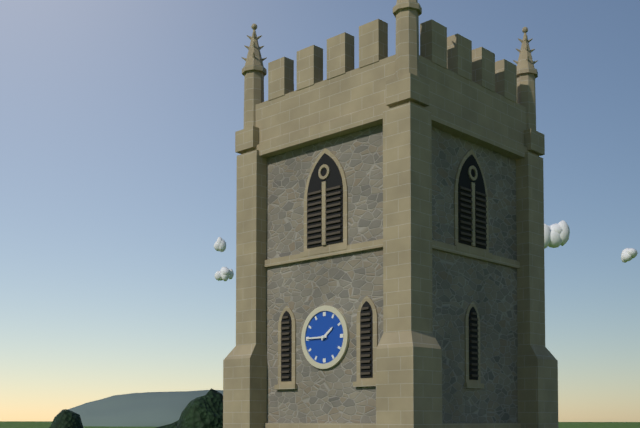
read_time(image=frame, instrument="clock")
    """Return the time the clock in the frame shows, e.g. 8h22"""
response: 1h45
